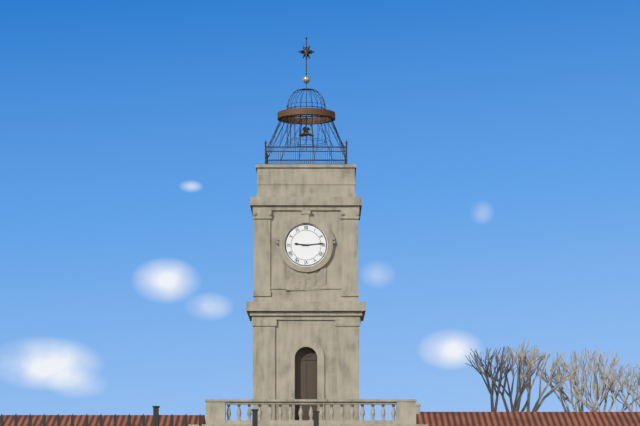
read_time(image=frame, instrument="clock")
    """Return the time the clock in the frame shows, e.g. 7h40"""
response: 9h14
